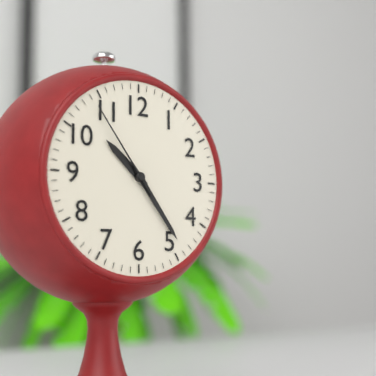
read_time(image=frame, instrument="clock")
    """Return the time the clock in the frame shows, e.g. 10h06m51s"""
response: 10h24m54s
